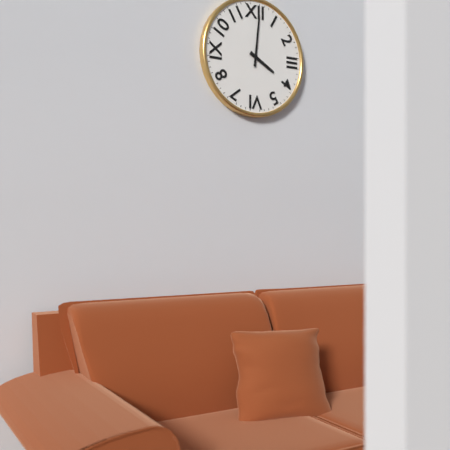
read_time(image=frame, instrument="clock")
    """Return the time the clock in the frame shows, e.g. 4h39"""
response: 4h01
